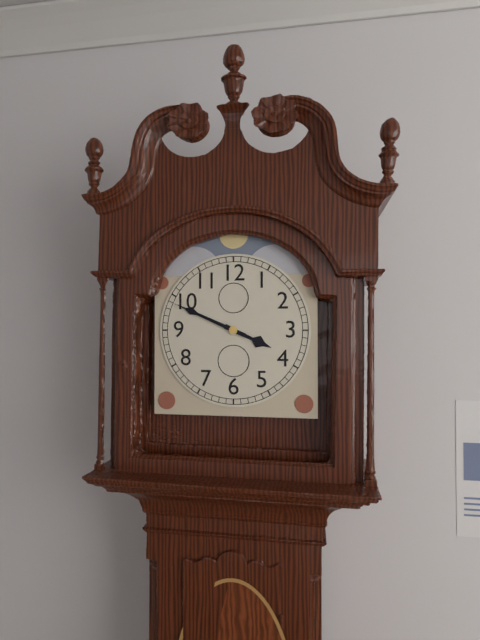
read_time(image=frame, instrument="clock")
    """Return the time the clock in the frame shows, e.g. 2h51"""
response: 3h49
